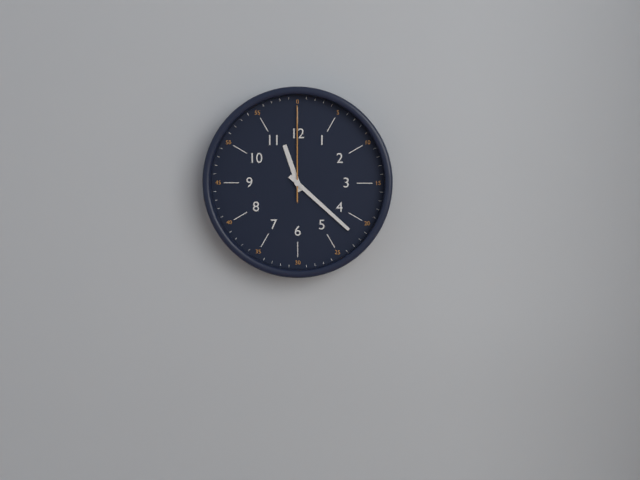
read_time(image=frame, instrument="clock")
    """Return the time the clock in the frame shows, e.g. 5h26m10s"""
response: 11h22m00s
